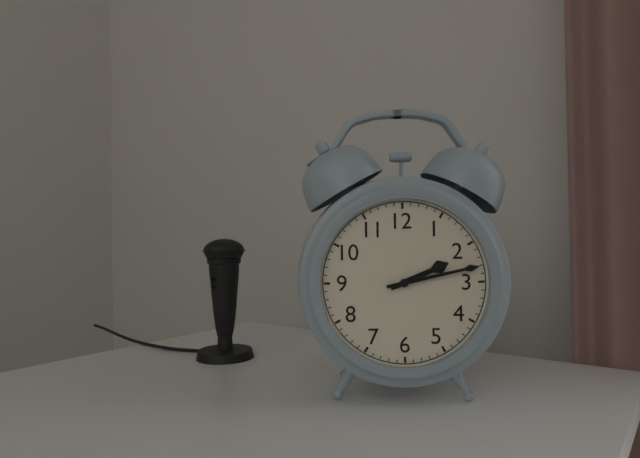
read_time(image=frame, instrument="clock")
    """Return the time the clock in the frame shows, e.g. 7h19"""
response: 2h13
